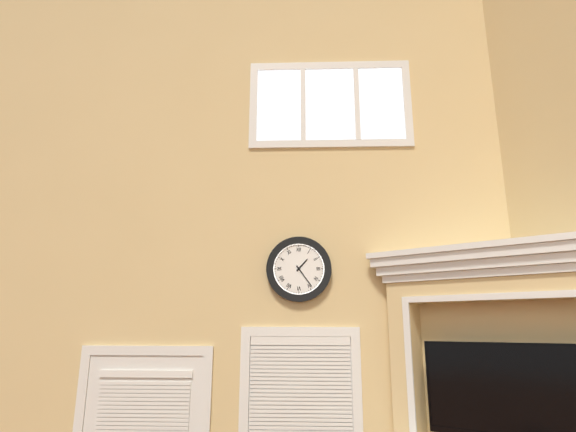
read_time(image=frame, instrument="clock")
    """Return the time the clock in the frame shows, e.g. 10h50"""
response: 1h24
